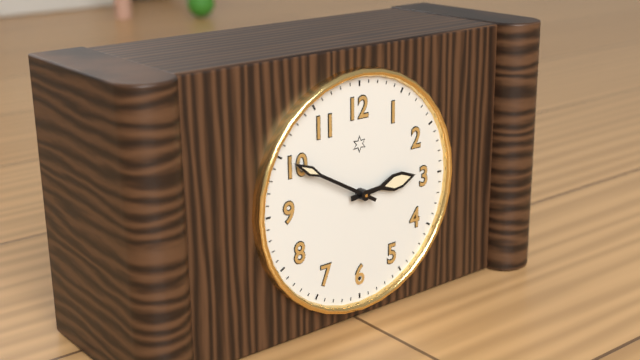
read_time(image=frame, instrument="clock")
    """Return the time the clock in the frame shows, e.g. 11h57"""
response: 2h50
